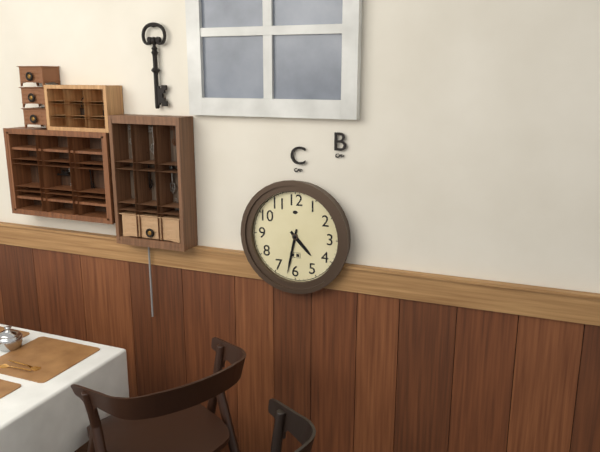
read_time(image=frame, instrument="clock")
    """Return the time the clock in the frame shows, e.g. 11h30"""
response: 4h32
